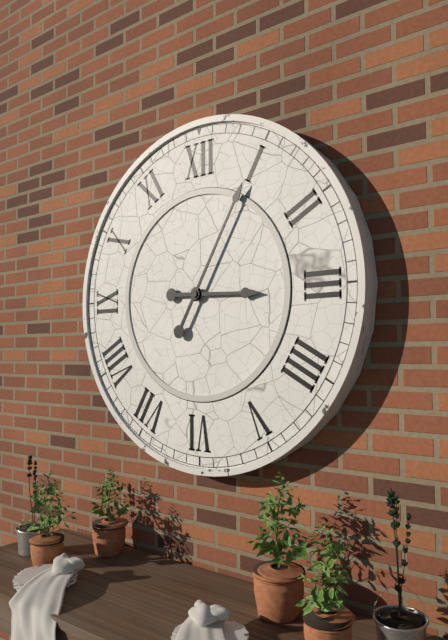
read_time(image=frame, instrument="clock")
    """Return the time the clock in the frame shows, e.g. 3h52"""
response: 3h05
